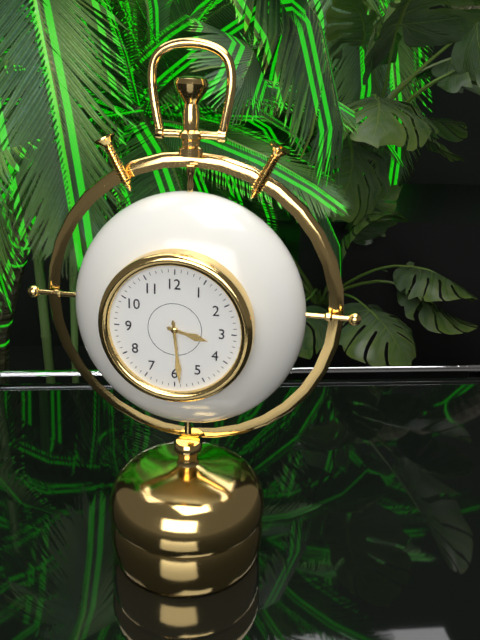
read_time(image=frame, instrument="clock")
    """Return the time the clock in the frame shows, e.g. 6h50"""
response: 3h29
